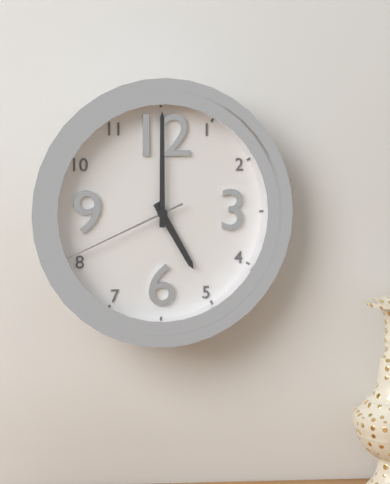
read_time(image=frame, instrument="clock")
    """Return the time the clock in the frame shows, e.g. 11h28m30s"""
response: 5h00m41s
